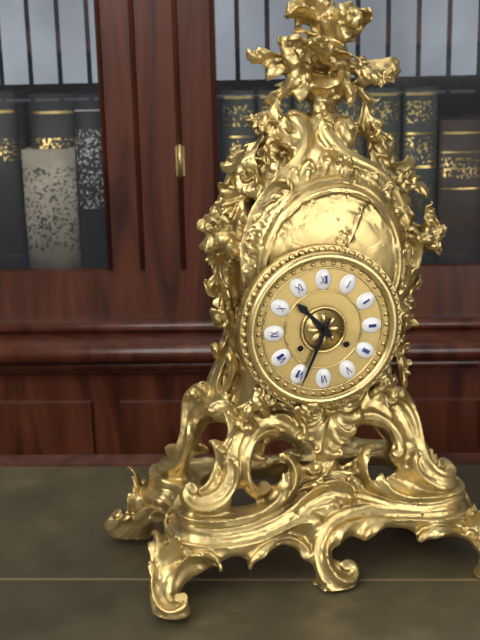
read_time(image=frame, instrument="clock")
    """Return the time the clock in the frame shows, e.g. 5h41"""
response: 10h34
